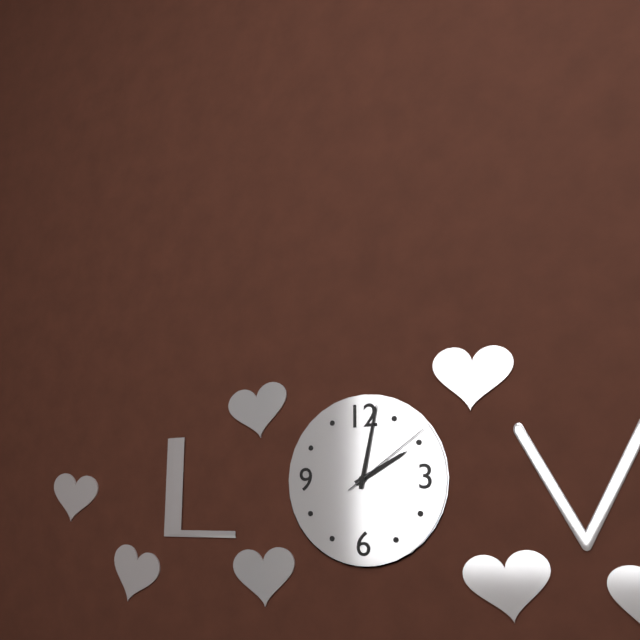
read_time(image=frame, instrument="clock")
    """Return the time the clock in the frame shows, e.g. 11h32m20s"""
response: 2h02m09s
